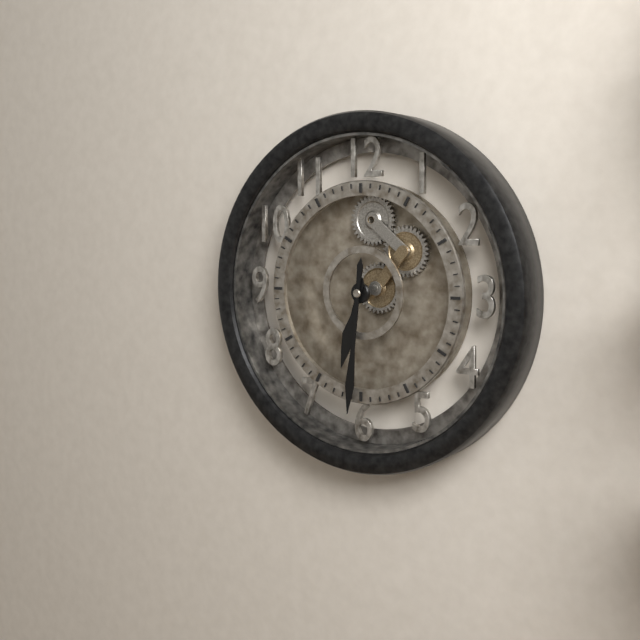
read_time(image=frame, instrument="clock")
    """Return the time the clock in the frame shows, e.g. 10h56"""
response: 6h31
